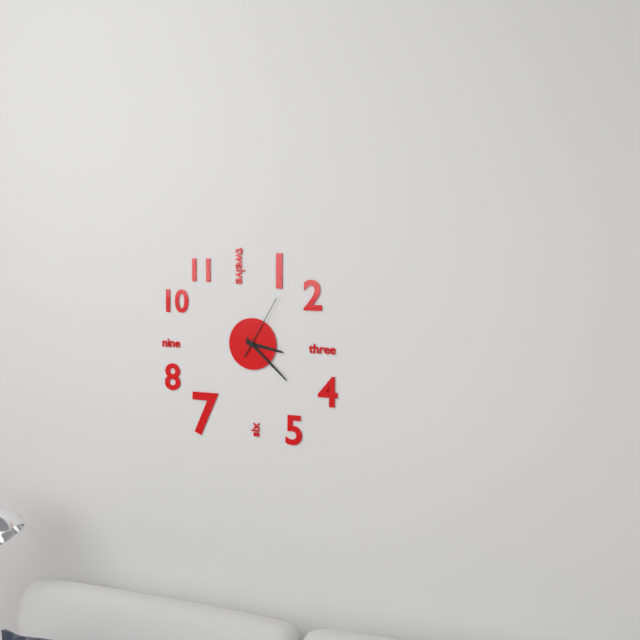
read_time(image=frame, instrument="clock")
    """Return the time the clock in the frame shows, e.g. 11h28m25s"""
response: 3h22m05s
